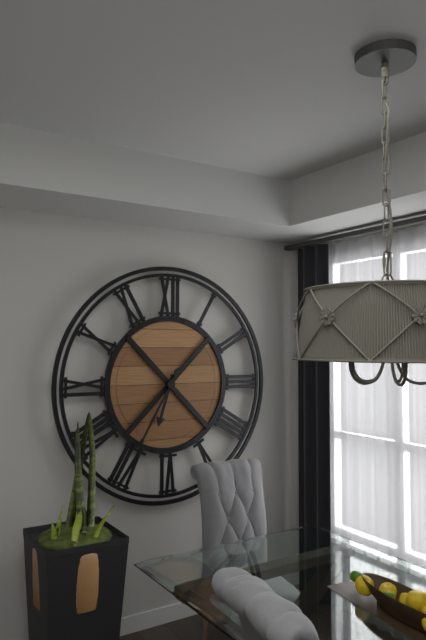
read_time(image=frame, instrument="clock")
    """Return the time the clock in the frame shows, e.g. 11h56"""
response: 6h35
